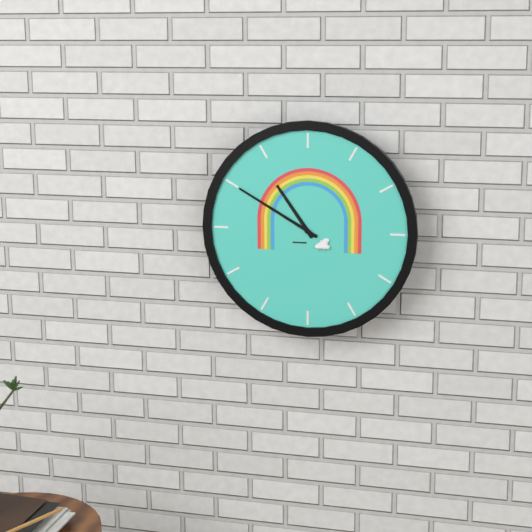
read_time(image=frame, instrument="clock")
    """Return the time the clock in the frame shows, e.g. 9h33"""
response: 10h50
